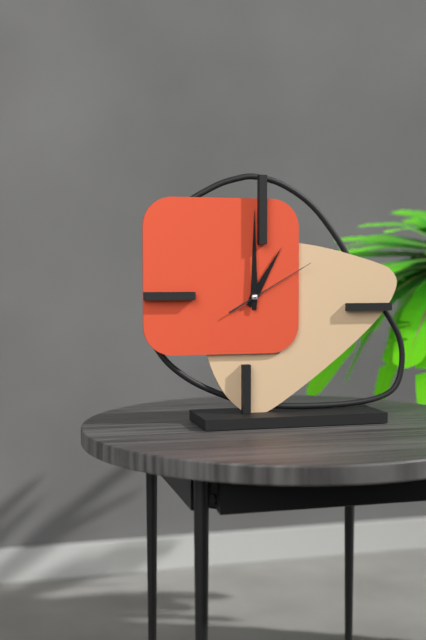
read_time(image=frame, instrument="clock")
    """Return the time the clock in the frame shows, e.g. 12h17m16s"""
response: 1h00m10s
